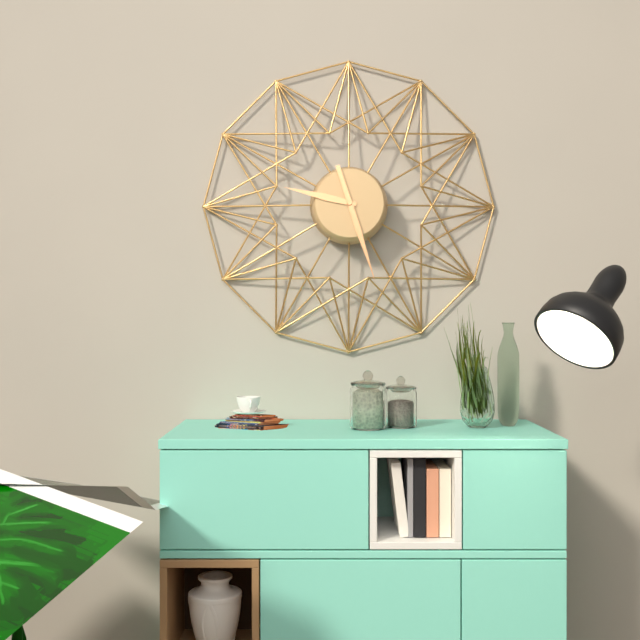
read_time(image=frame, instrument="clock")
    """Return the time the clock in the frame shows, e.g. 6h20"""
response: 9h27
